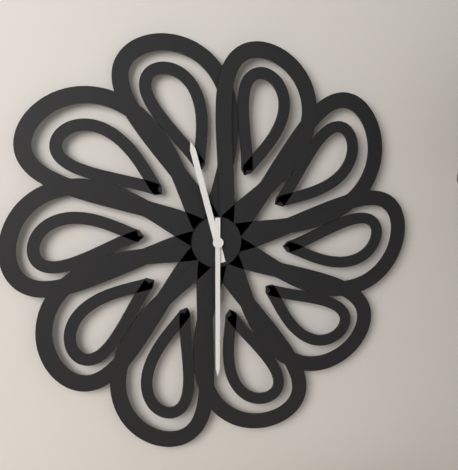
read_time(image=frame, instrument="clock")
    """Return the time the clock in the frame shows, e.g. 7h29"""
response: 11h30
